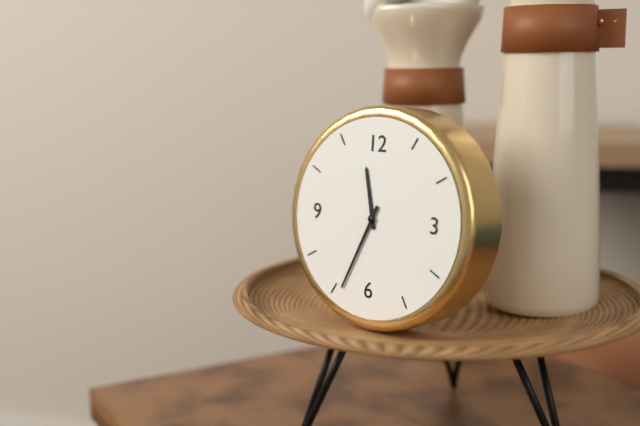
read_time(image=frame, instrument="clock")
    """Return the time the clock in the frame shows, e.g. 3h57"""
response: 11h34
